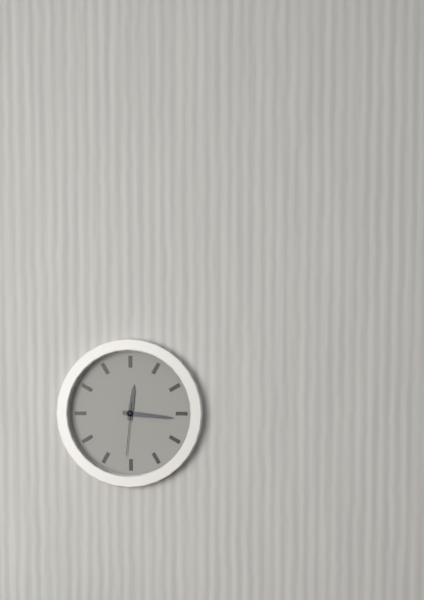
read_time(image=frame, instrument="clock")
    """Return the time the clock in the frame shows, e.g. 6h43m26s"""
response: 12h16m31s
